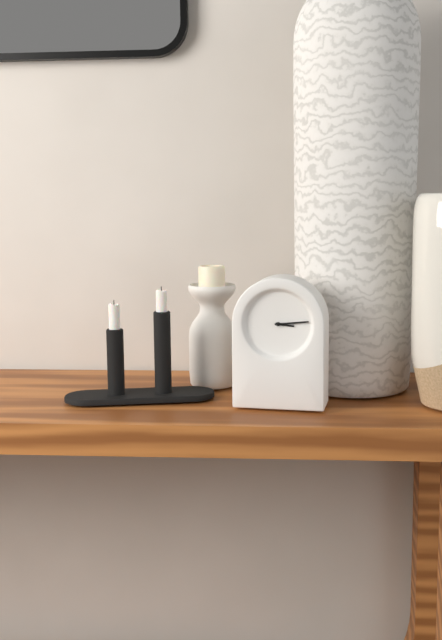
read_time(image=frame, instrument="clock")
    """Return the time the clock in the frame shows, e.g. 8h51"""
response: 3h14
